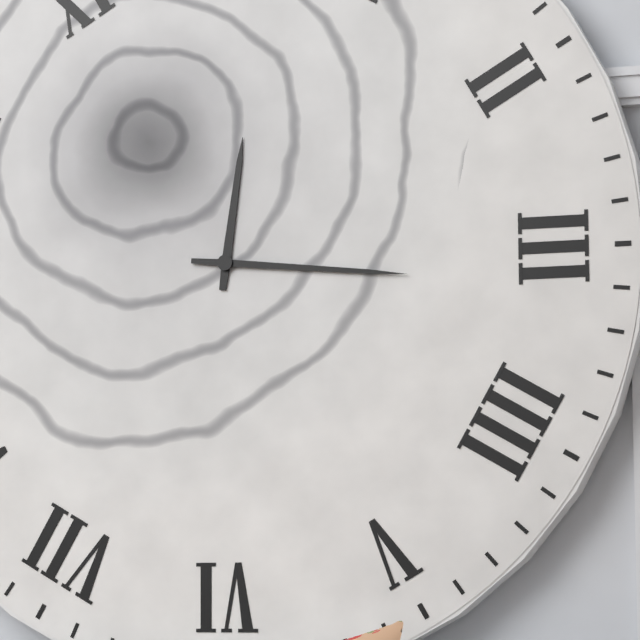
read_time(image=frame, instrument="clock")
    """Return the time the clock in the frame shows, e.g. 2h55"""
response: 12h16
